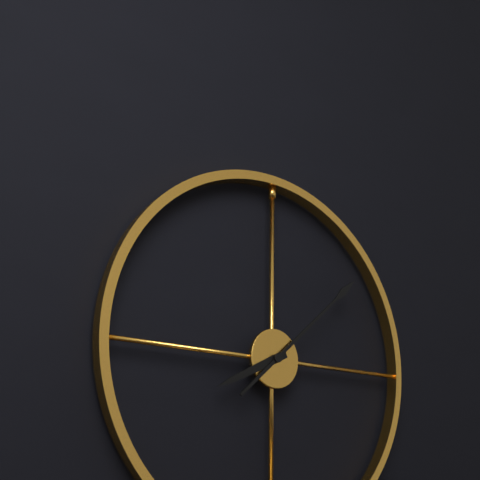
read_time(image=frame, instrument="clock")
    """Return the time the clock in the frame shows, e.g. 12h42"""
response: 8h08
